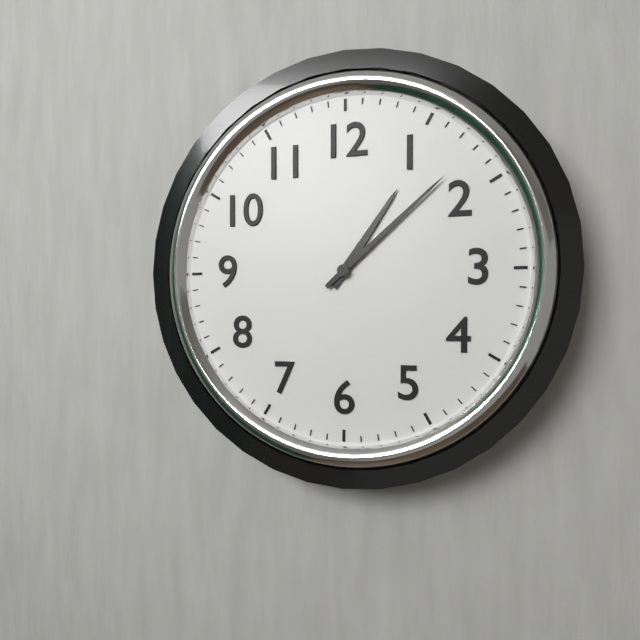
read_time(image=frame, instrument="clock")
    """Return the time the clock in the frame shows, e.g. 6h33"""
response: 1h08
